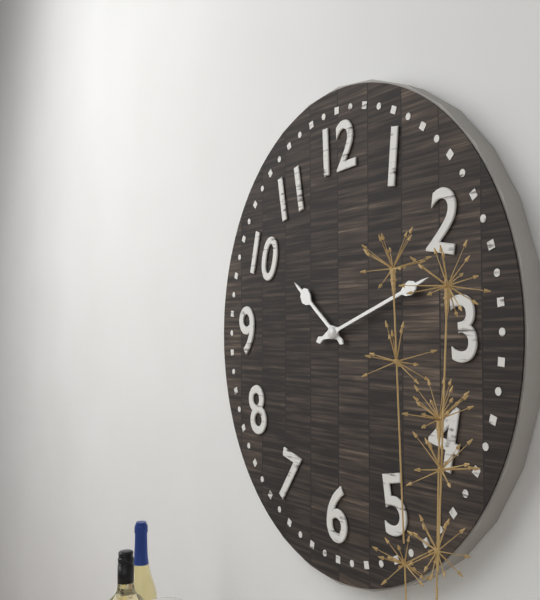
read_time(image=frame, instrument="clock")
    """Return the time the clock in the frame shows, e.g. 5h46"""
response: 10h12
